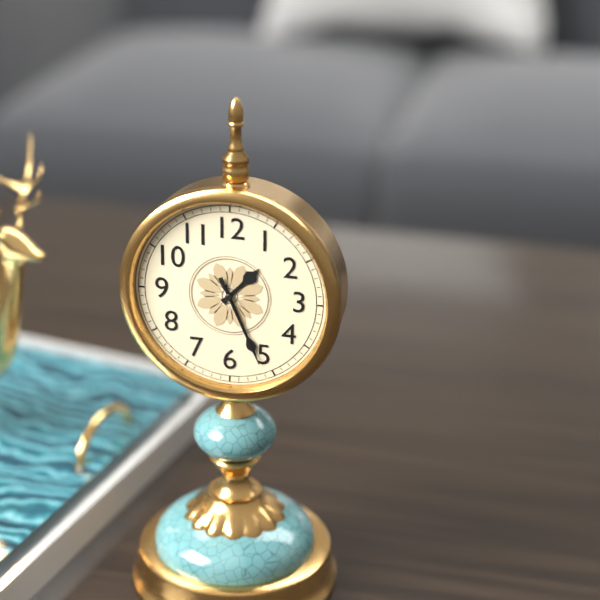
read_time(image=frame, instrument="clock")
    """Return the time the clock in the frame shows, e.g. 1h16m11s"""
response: 1h26m26s
